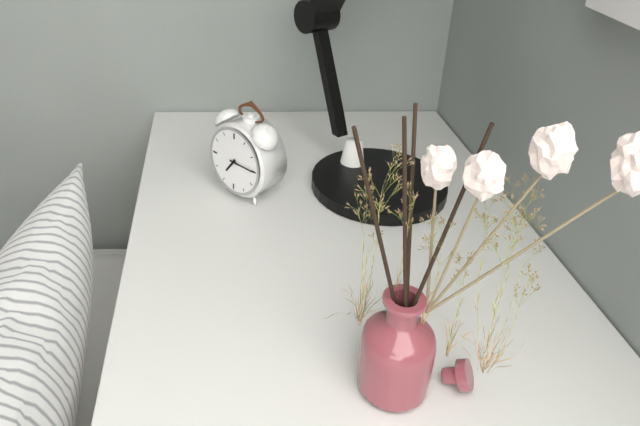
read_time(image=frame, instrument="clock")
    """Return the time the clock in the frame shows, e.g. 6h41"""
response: 7h15
